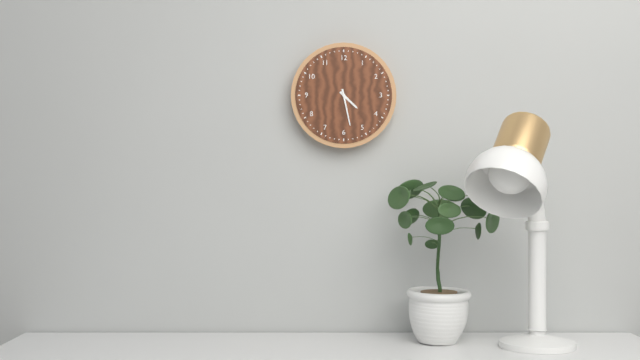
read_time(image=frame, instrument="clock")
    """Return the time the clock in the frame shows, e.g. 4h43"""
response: 4h28
